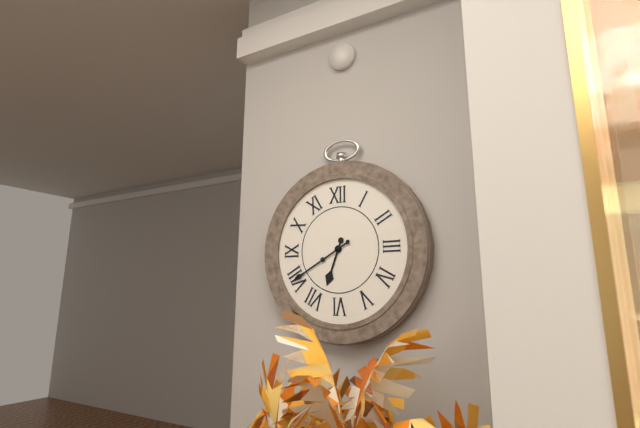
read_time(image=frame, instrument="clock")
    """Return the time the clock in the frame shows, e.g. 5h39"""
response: 6h40
